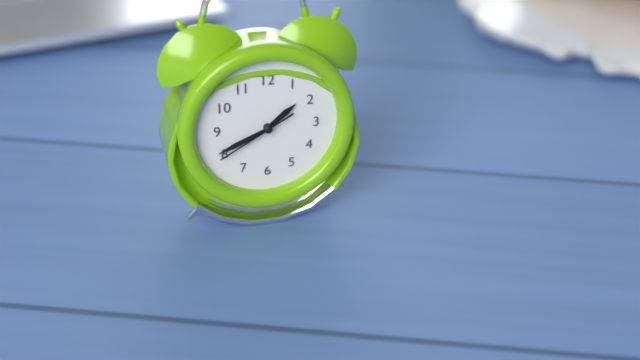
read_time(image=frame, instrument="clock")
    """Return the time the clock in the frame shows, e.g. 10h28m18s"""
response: 1h41m40s
